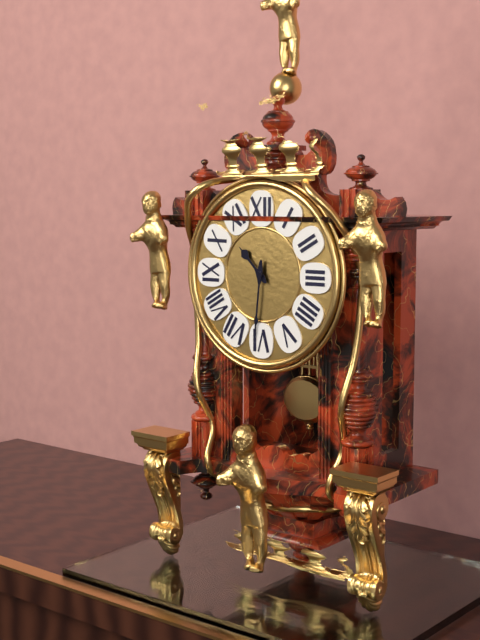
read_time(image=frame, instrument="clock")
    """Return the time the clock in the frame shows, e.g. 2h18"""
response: 10h31
